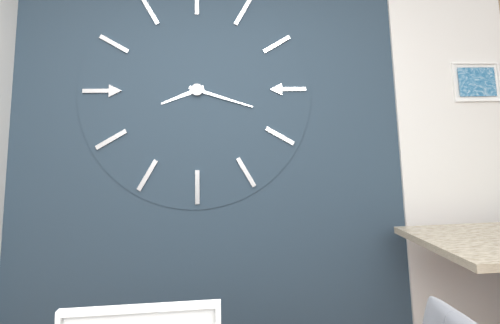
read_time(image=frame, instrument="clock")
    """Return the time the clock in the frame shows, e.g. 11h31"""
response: 8h18
